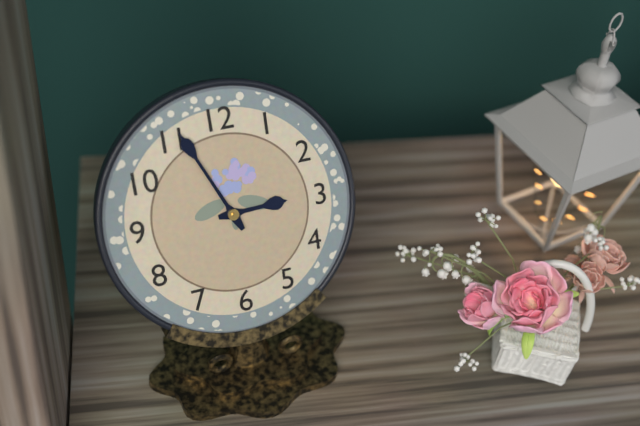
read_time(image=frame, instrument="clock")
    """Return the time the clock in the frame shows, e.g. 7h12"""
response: 2h56
